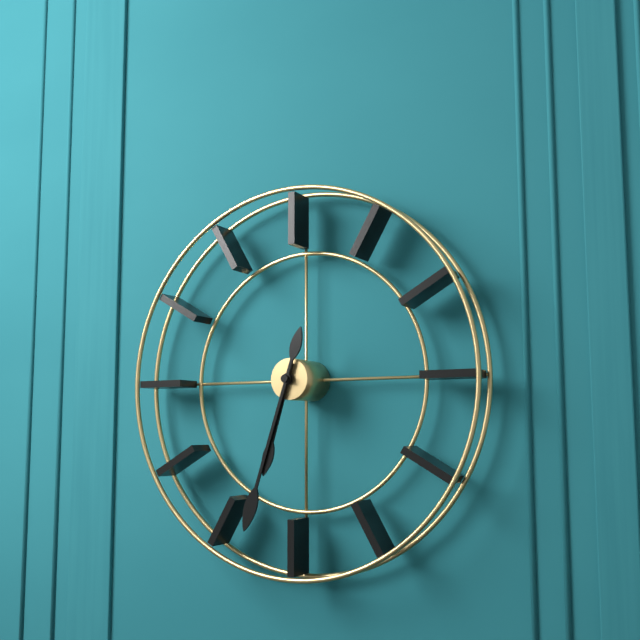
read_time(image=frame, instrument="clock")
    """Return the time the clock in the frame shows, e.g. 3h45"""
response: 6h33
